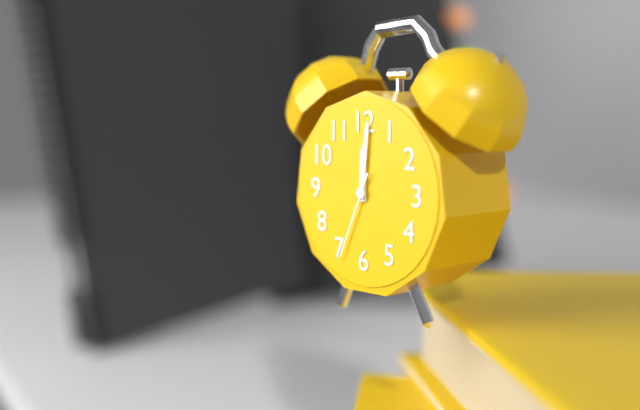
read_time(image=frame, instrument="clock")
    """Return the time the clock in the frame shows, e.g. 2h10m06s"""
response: 12h01m34s
